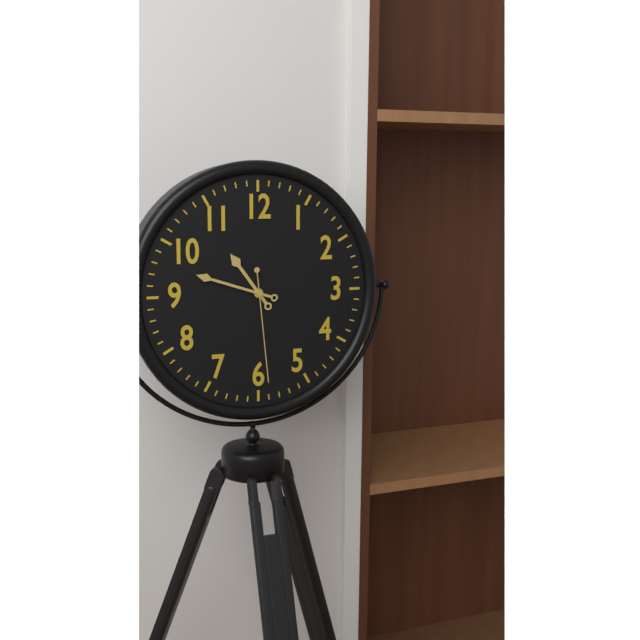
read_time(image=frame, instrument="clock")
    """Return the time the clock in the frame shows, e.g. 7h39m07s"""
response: 10h48m29s
